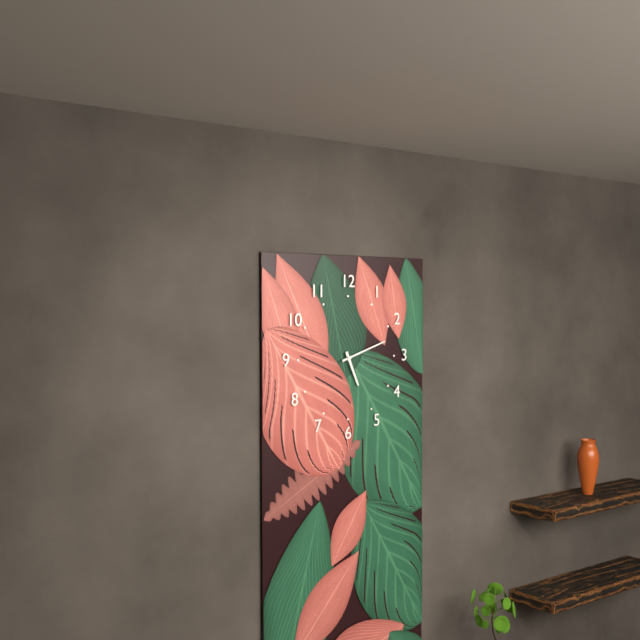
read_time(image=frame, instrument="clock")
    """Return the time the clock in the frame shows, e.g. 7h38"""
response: 5h12
